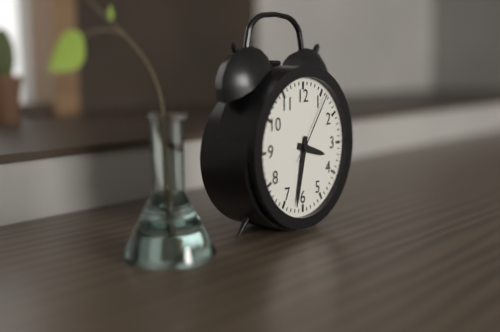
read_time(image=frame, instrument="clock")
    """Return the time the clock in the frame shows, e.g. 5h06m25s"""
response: 3h32m06s
